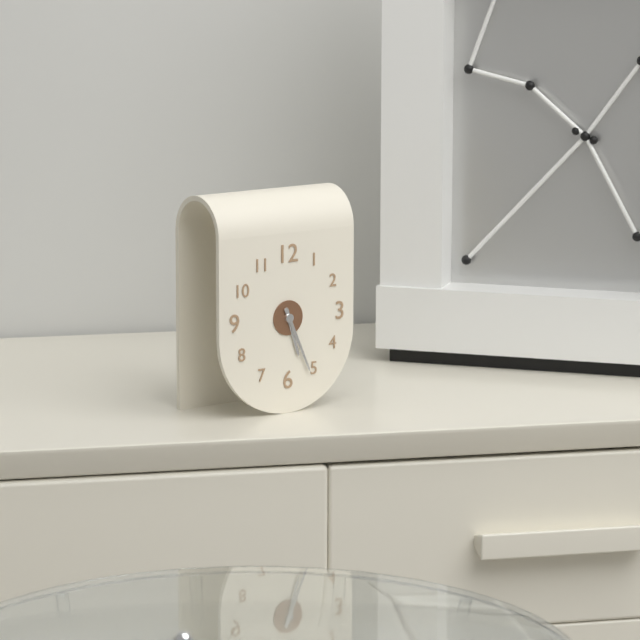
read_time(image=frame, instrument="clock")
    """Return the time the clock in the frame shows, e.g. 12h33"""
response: 5h26
